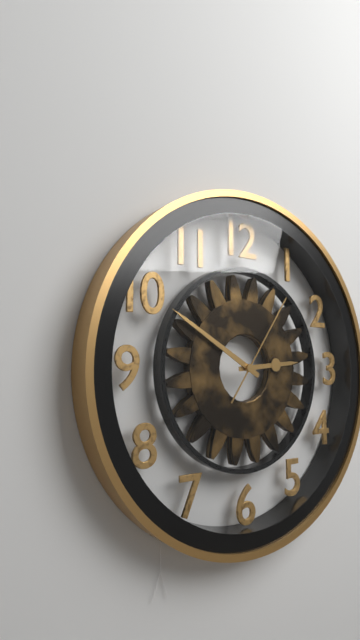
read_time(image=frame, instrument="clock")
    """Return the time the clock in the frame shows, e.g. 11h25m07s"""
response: 2h50m06s
